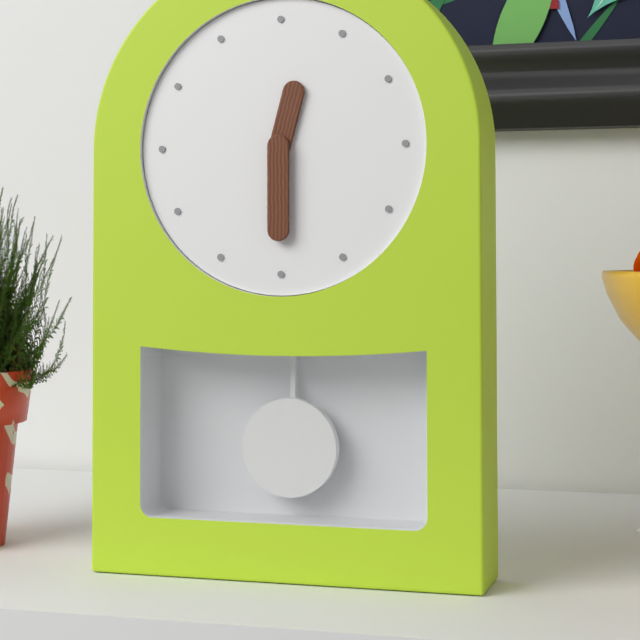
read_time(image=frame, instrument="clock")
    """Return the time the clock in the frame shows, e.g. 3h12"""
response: 12h30
